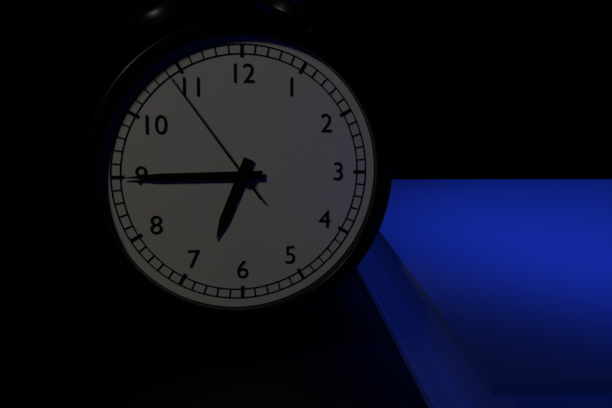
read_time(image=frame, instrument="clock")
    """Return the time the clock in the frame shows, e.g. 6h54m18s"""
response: 6h45m54s
